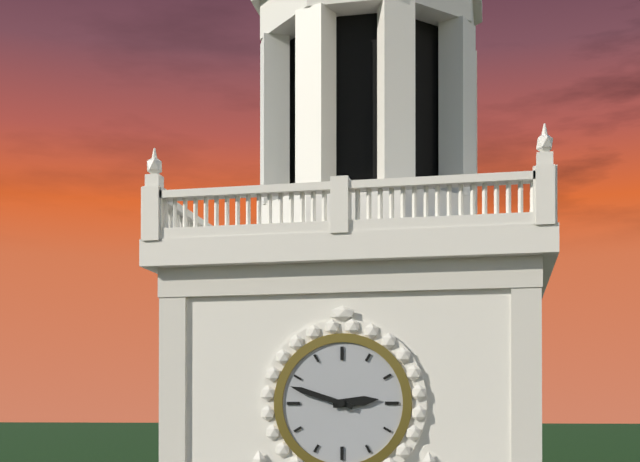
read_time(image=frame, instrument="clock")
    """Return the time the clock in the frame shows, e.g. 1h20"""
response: 2h48
